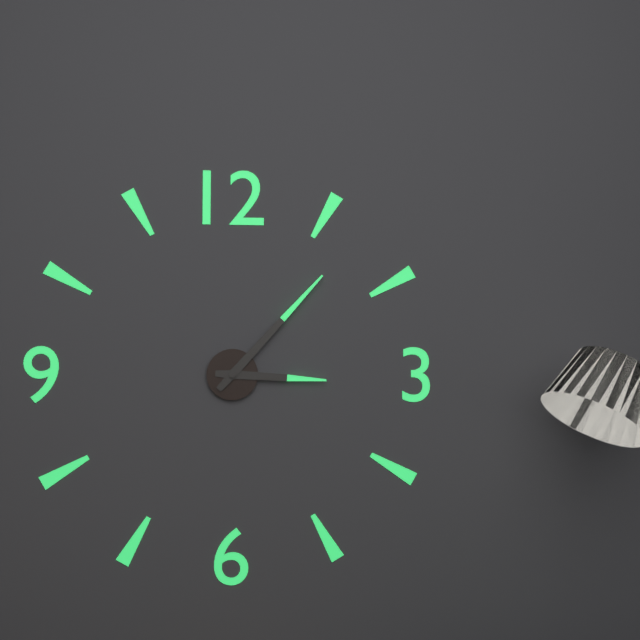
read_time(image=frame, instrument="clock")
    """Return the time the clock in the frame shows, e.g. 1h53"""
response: 3h07
